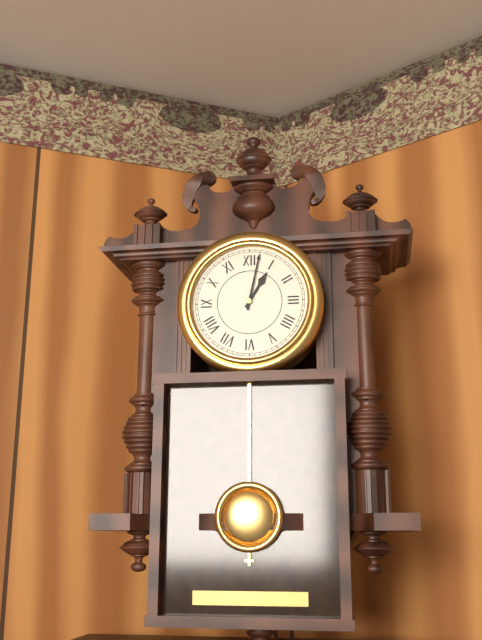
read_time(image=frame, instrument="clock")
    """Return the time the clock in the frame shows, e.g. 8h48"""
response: 1h02
